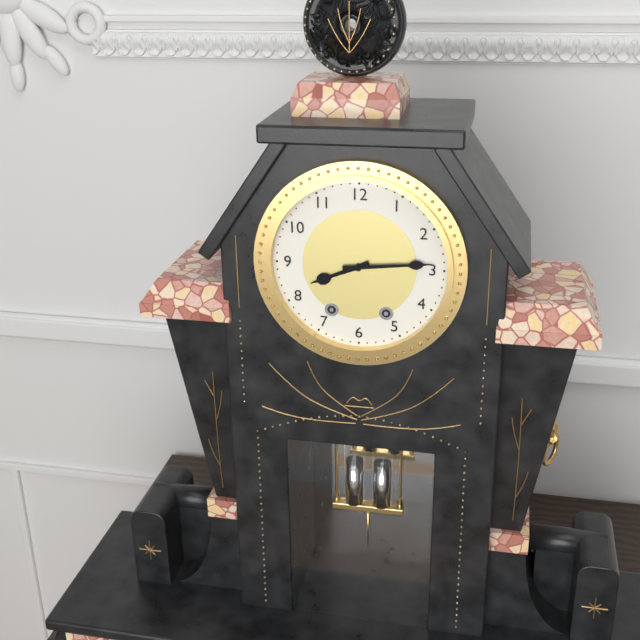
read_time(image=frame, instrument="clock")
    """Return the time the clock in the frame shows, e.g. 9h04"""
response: 8h14
